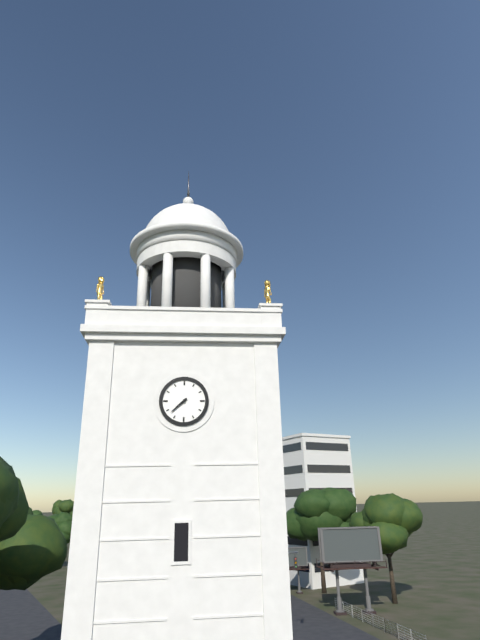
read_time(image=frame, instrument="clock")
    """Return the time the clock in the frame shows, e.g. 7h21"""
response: 7h38
